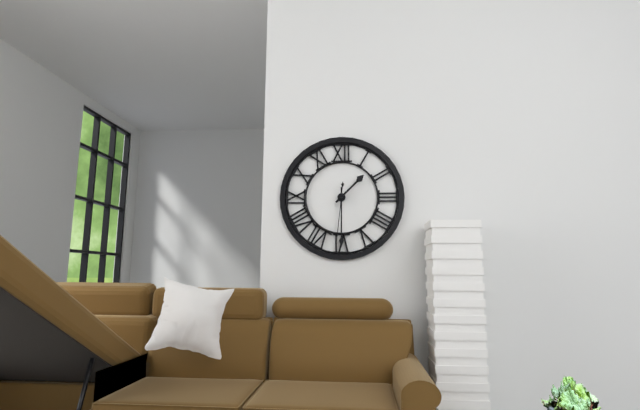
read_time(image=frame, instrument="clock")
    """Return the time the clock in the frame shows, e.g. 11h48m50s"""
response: 1h30m31s
